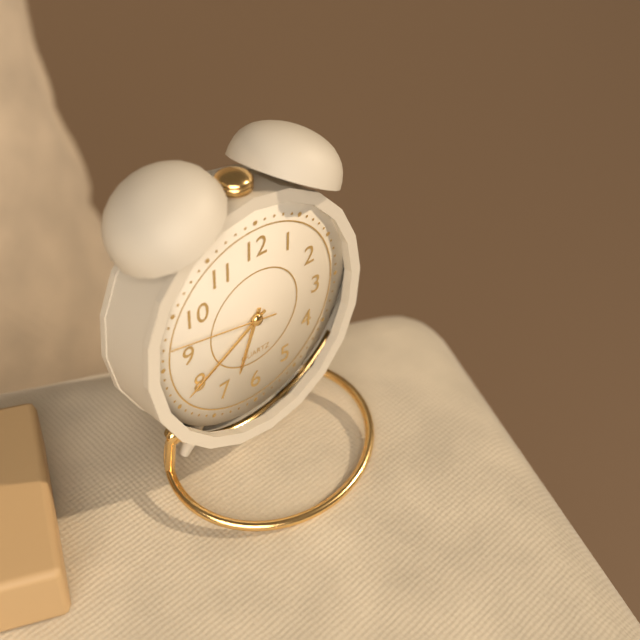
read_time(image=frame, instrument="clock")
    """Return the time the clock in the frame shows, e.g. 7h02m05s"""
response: 6h40m47s
